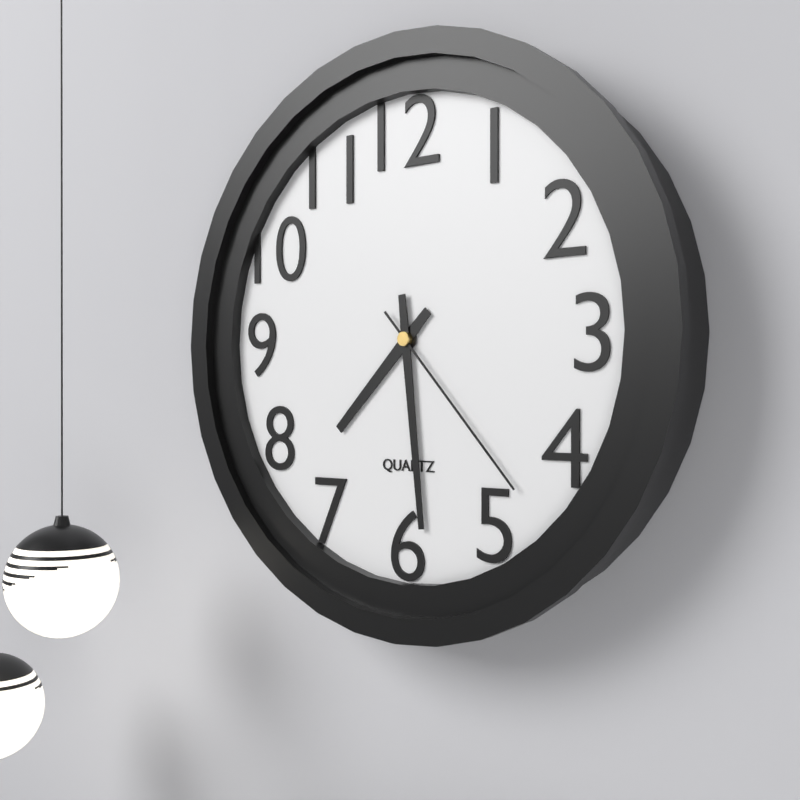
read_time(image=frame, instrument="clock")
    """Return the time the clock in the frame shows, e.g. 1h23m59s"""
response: 7h29m23s
